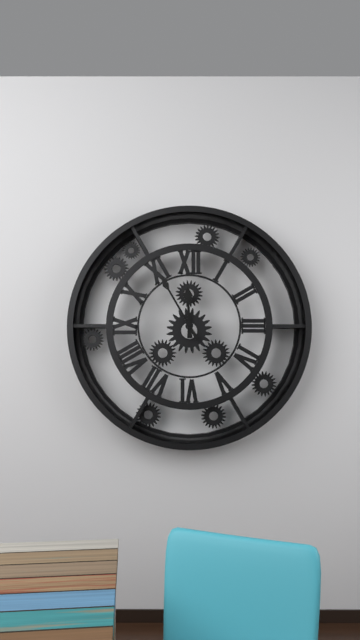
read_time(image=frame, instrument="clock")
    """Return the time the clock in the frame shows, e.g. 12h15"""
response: 11h55
